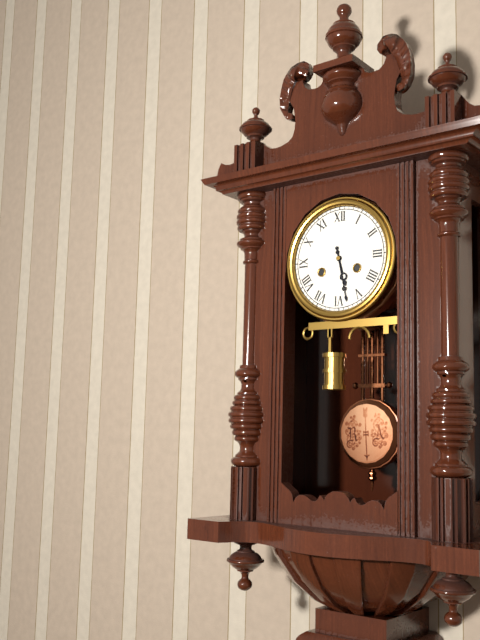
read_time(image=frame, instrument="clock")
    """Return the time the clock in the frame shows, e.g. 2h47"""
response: 5h28
